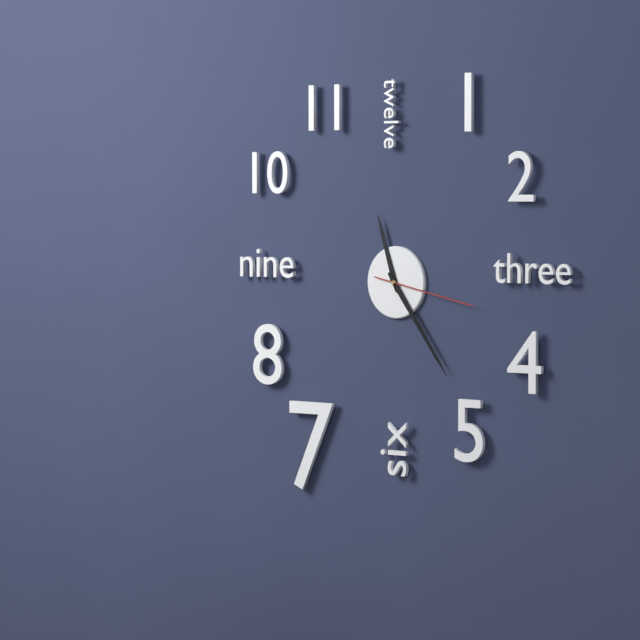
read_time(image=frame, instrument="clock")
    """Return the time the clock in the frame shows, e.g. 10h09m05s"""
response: 11h24m17s
